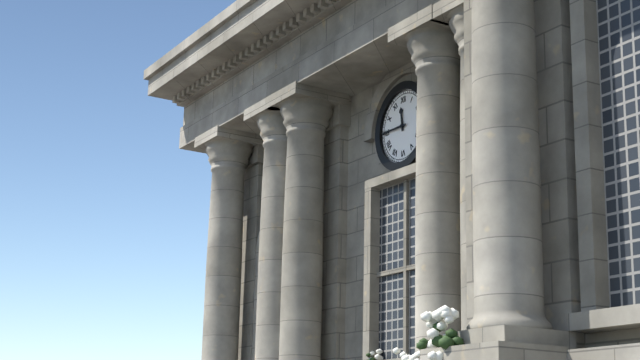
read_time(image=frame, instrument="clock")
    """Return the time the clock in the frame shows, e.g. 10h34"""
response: 11h45
